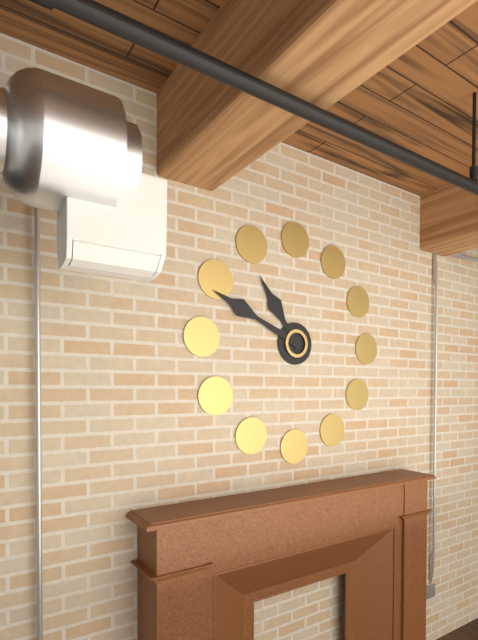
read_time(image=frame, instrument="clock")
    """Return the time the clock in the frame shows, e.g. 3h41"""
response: 10h49
